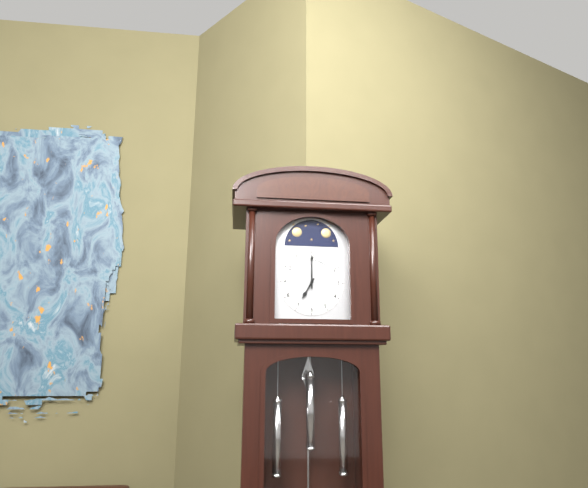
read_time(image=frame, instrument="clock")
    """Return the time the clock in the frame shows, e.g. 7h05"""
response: 7h00
